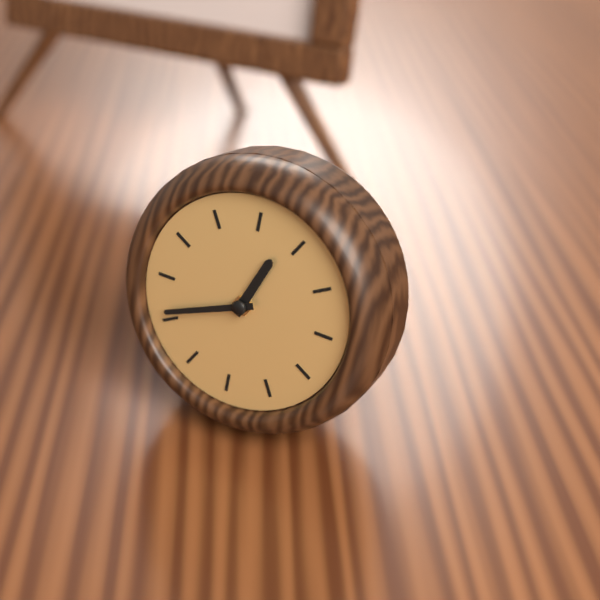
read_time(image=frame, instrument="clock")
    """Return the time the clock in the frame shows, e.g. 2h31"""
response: 12h41
